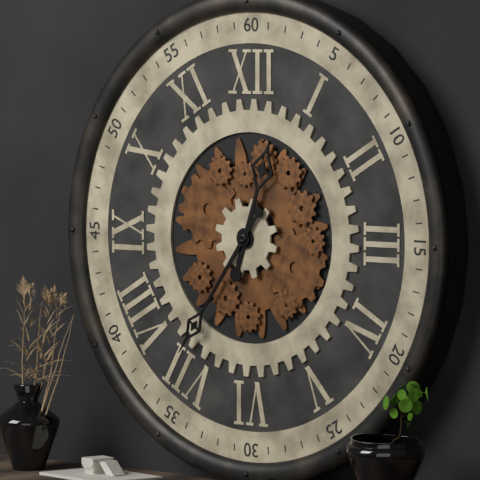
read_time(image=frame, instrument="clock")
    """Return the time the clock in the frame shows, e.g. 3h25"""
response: 12h36
